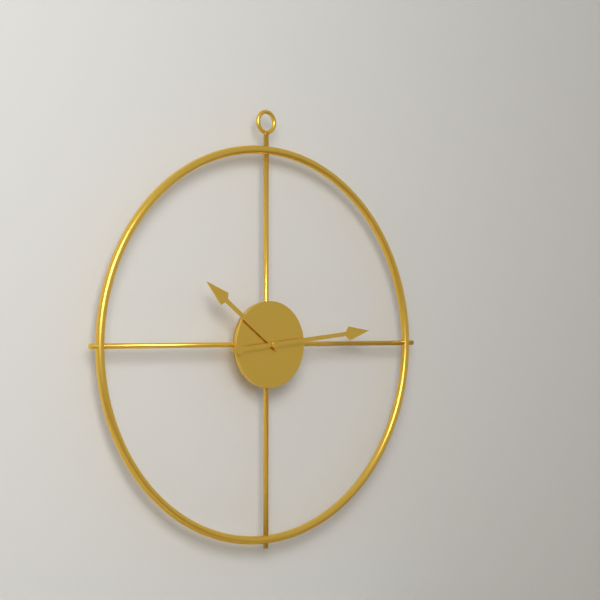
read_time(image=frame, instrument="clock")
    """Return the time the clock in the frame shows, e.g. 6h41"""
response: 10h14
